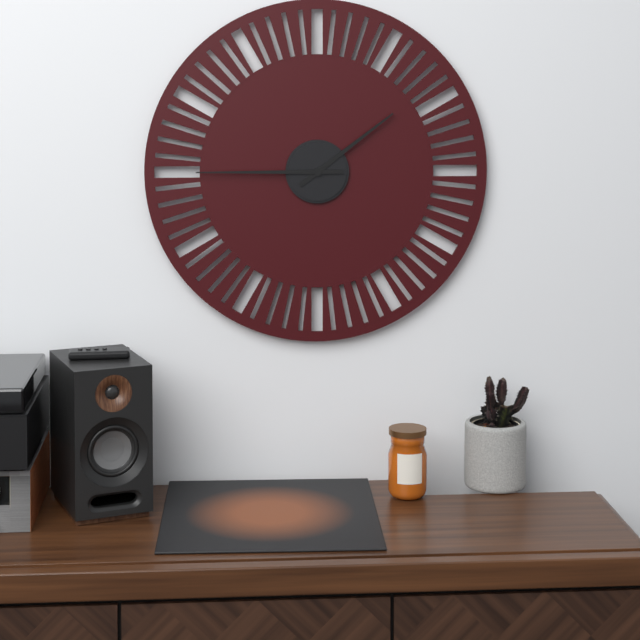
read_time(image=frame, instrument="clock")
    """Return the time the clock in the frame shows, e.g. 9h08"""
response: 1h45
